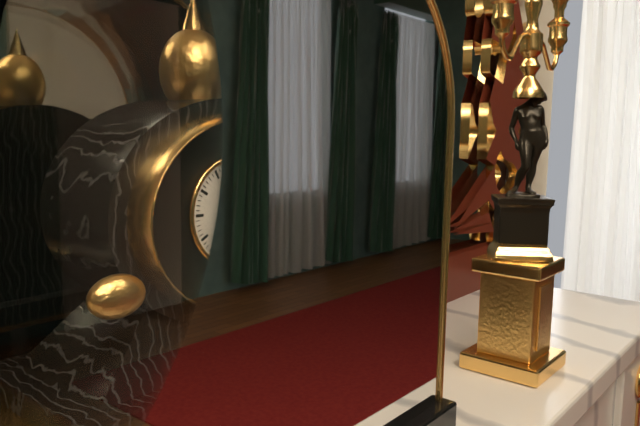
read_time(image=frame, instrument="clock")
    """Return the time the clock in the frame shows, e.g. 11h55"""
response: 1h13
